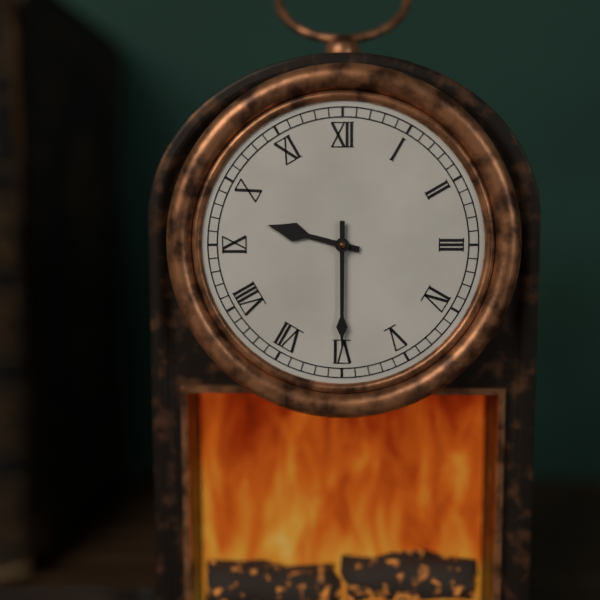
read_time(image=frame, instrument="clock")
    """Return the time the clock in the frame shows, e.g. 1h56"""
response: 9h30
